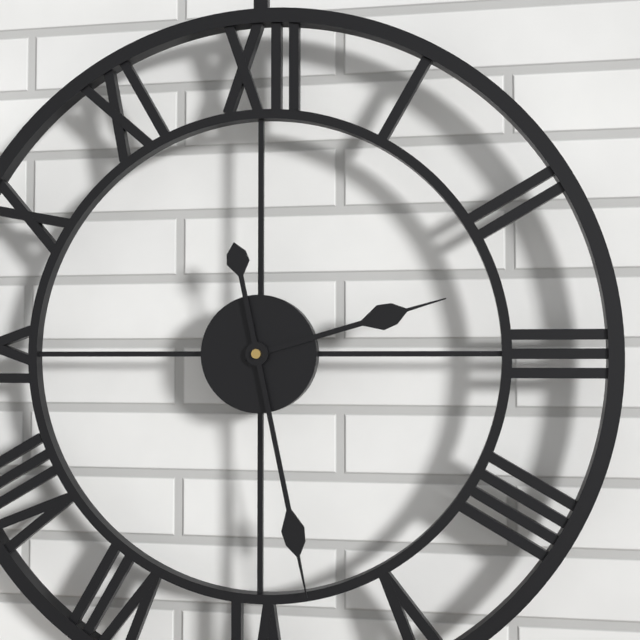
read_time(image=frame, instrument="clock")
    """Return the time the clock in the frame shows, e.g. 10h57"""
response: 2h28
